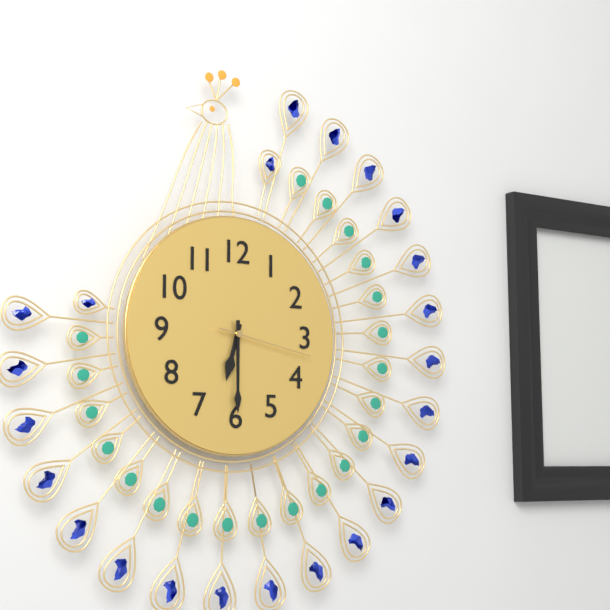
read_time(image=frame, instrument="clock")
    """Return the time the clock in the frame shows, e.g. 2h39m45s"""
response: 6h30m17s
